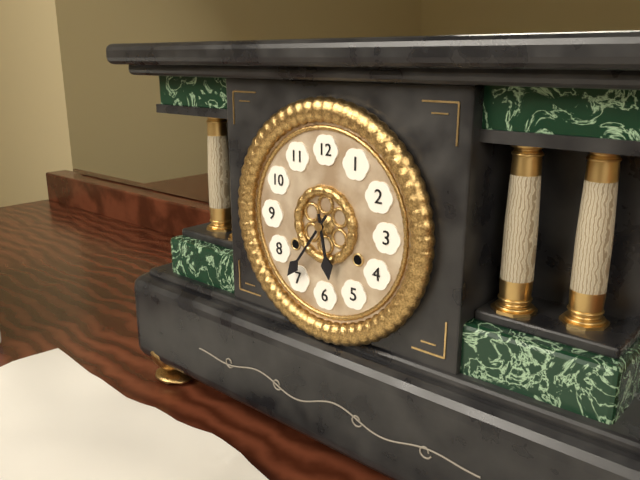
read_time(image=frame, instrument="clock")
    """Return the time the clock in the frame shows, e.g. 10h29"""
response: 5h36
